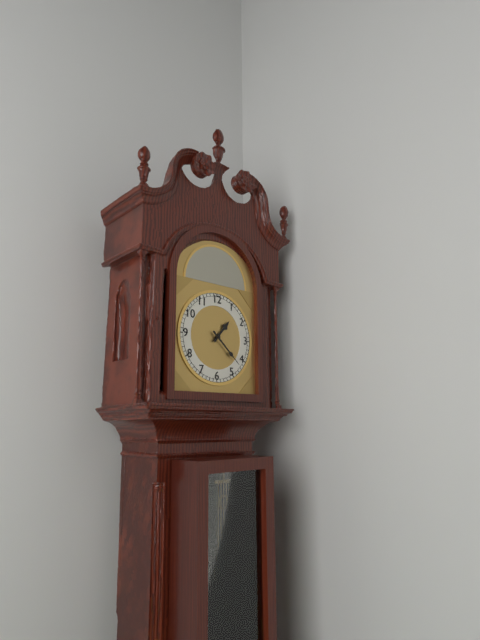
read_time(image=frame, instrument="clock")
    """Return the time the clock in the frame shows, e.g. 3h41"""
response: 1h22
